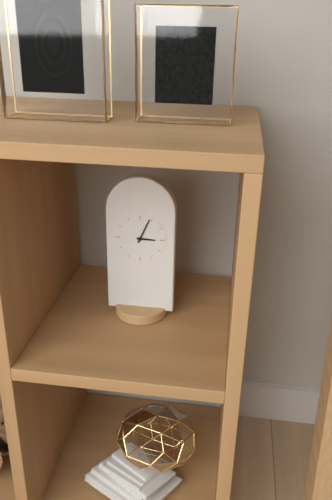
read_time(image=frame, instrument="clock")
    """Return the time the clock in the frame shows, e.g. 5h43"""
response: 3h04
